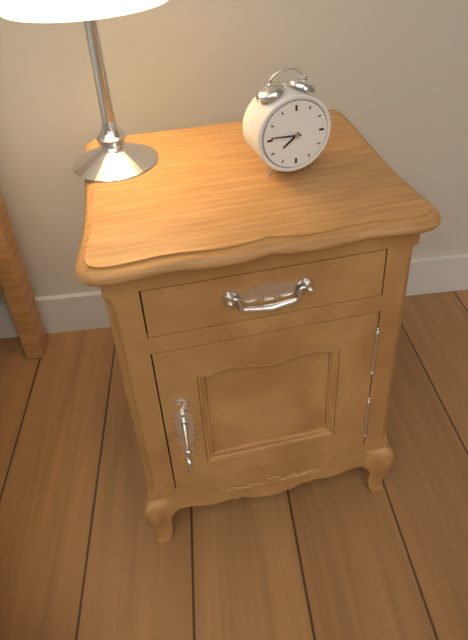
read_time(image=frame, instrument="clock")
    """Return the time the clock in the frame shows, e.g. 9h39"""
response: 7h46
